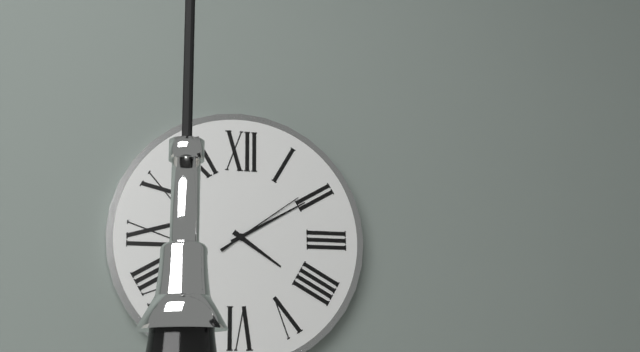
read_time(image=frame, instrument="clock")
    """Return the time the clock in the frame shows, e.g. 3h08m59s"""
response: 4h10m09s
